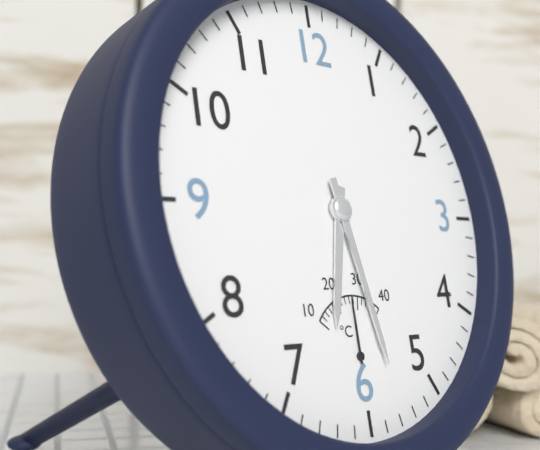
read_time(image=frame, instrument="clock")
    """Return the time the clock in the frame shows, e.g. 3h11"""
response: 6h28
